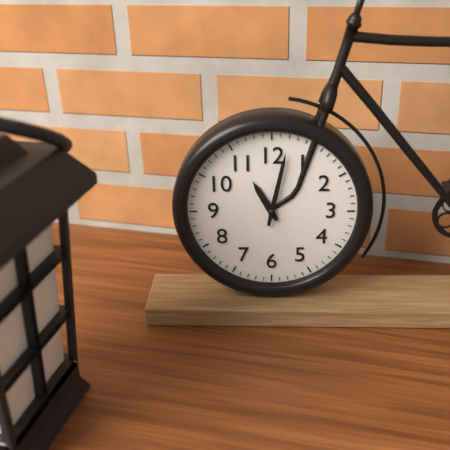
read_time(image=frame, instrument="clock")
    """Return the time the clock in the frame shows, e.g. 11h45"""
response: 11h02
